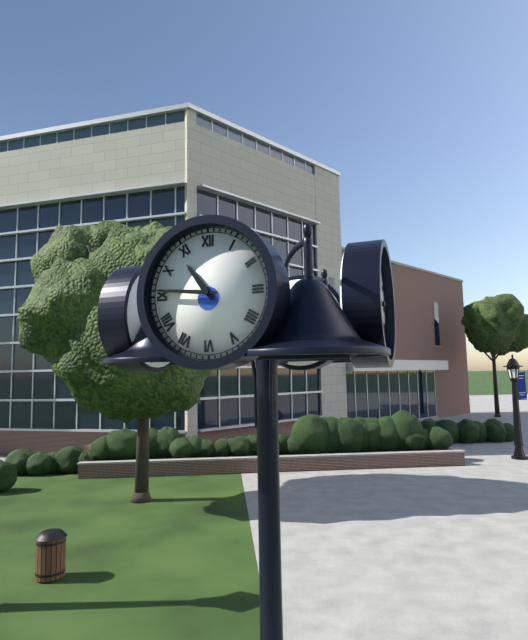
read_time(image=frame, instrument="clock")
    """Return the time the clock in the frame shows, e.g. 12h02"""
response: 10h46
